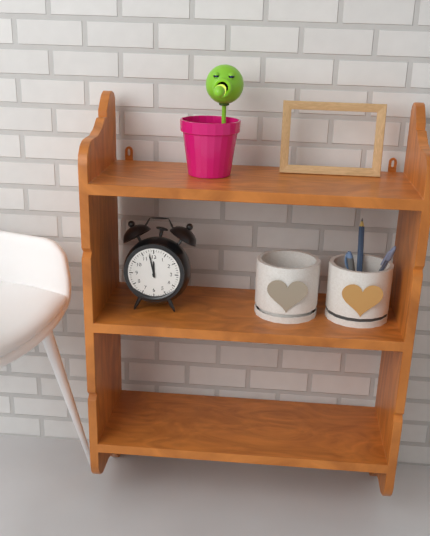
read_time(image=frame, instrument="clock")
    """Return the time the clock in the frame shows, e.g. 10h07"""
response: 11h58
